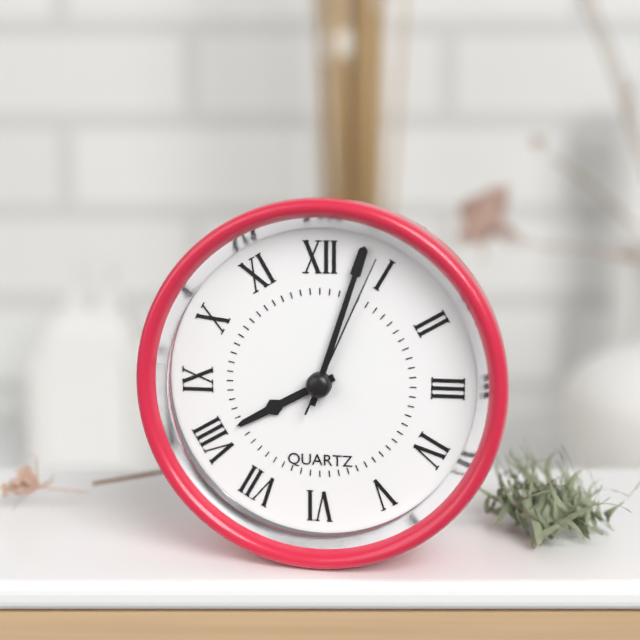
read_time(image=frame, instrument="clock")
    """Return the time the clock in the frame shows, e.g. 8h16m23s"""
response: 8h03m04s
